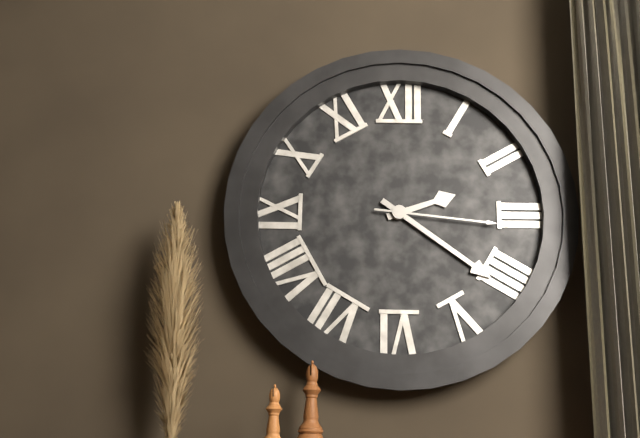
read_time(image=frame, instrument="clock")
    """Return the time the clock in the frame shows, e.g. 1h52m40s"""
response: 2h21m16s
